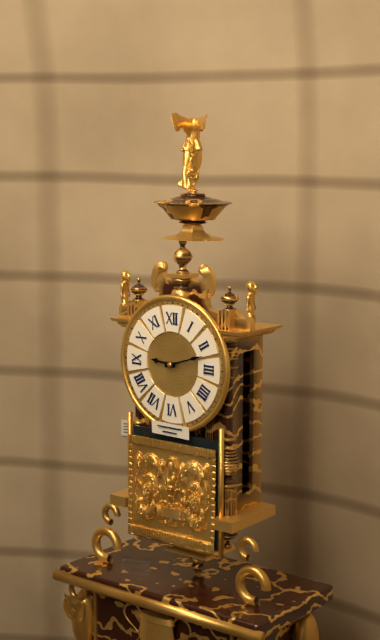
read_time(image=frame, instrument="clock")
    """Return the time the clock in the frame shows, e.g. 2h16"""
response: 9h12
